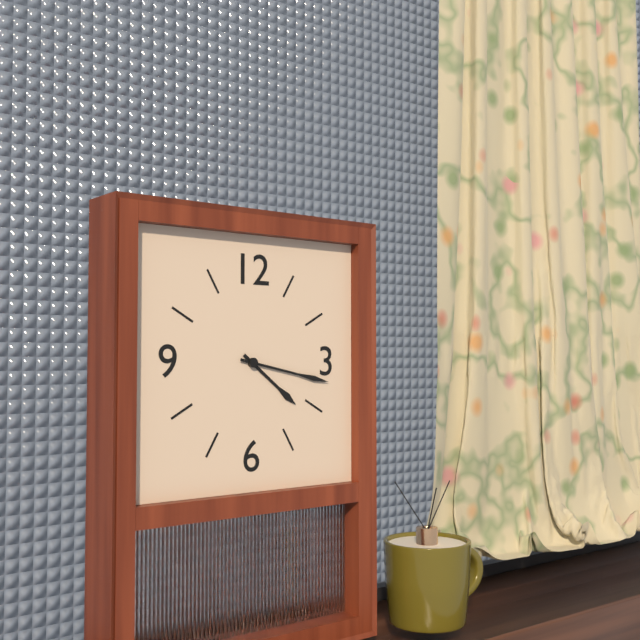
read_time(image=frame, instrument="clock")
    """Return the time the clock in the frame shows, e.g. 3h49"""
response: 4h17
